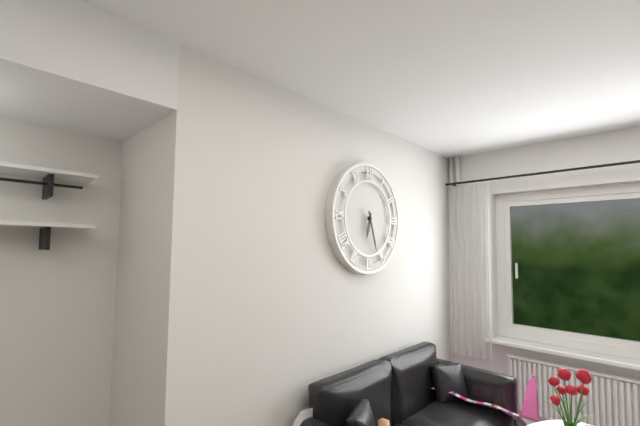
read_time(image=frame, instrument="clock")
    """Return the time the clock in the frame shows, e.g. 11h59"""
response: 6h27
